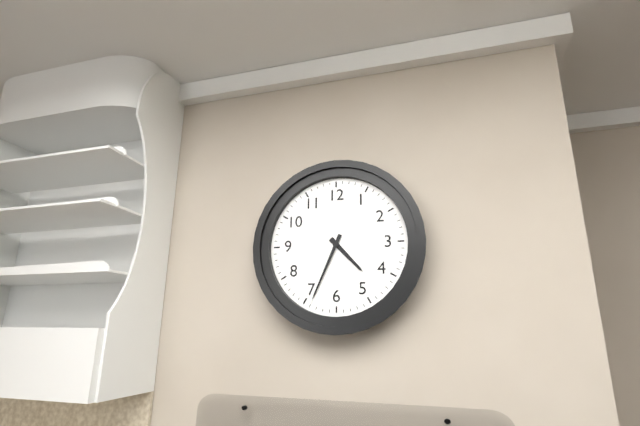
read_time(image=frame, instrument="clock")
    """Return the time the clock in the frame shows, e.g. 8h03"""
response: 4h34
